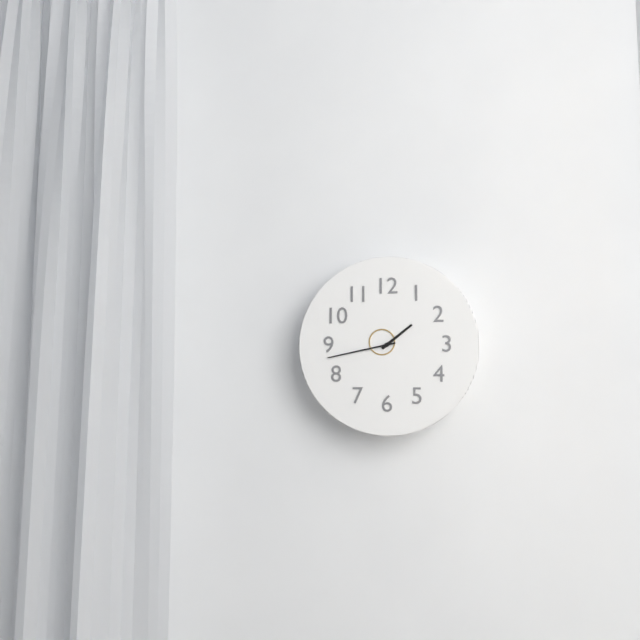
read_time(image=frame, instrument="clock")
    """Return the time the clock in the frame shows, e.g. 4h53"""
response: 1h43
